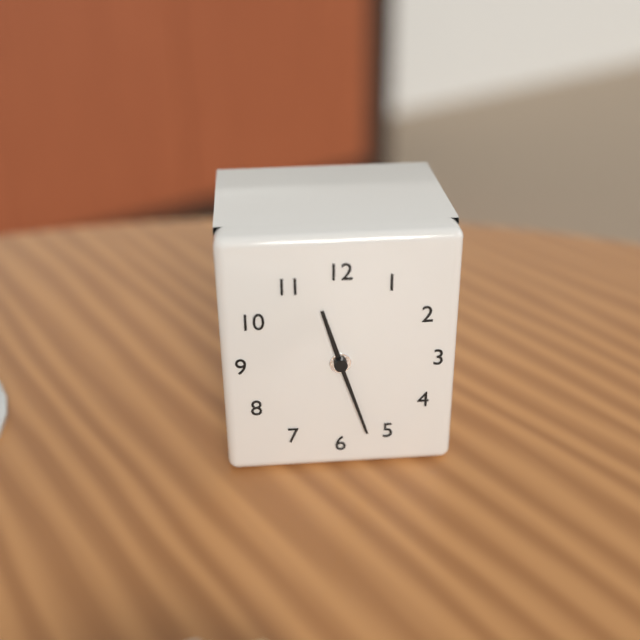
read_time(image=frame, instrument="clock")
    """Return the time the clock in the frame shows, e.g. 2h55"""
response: 11h27
